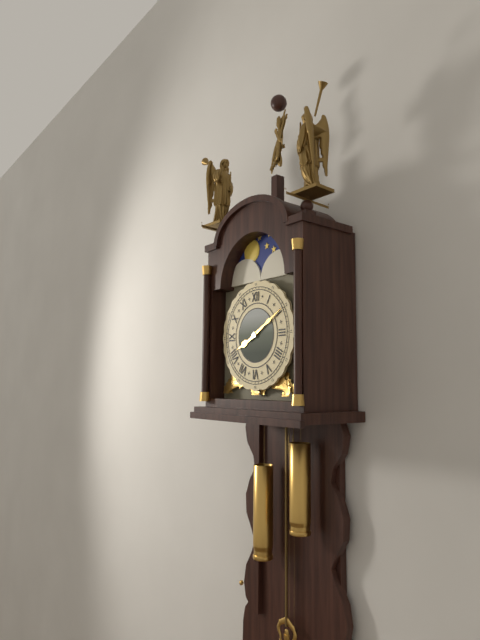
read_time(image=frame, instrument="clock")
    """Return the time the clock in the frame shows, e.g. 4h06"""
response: 8h10
